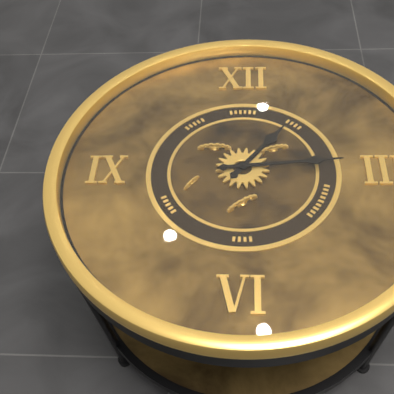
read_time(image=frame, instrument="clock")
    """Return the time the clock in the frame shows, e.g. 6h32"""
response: 1h14
